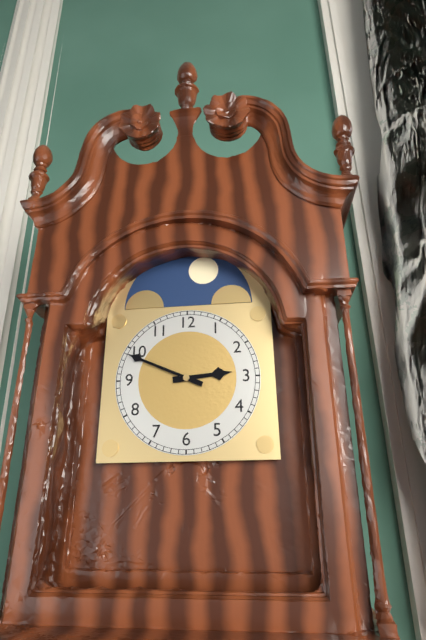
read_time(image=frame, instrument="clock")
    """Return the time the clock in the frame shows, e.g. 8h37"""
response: 2h49
